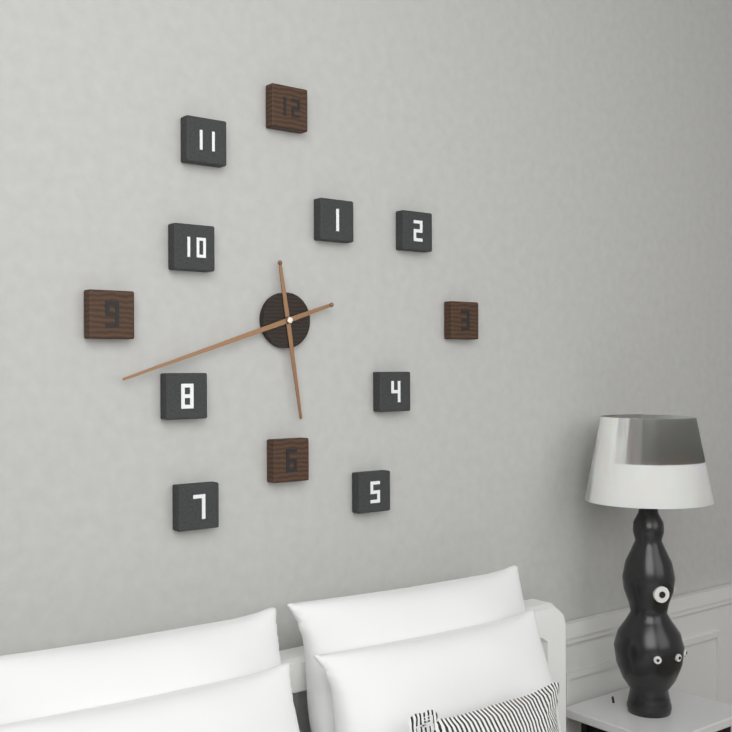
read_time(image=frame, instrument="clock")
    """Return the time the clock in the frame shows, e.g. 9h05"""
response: 5h42
